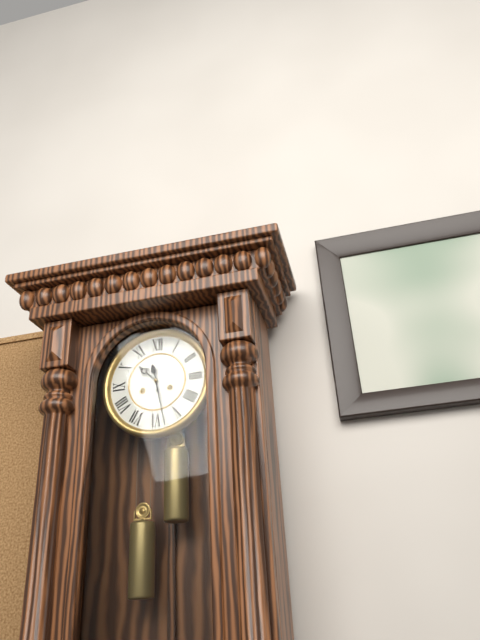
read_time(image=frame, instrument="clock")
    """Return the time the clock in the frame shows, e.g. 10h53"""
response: 10h28
